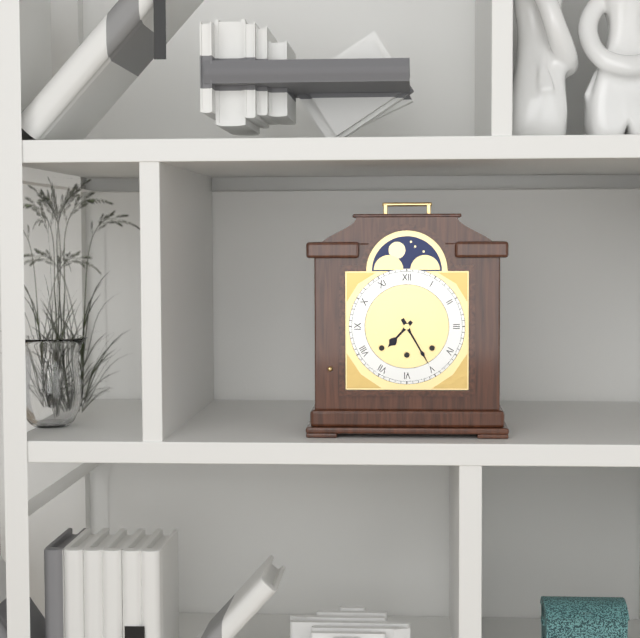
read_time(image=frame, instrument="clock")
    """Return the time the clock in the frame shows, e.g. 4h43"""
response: 7h25
